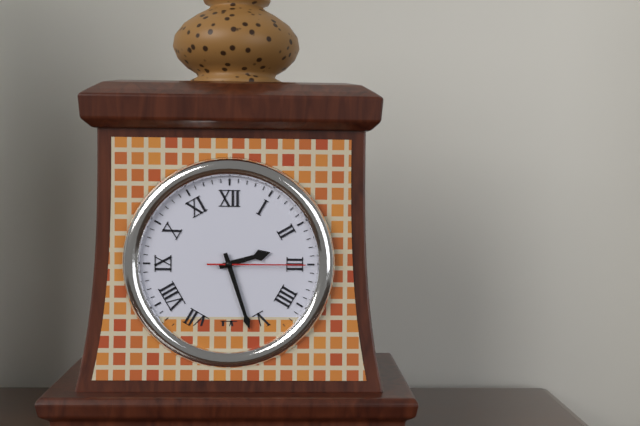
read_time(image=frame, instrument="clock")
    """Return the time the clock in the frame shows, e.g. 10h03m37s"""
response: 2h27m15s
